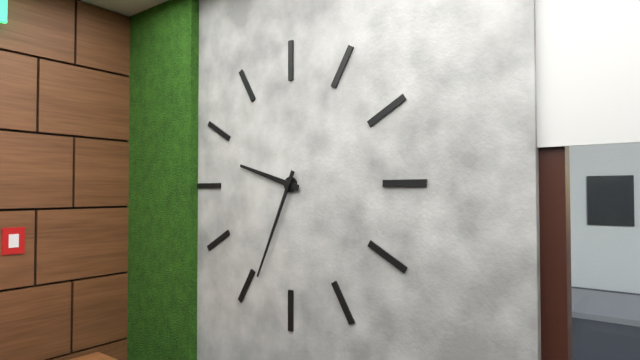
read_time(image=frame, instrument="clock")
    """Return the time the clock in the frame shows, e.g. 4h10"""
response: 9h34
